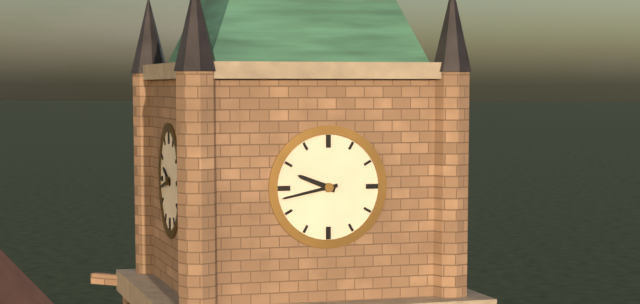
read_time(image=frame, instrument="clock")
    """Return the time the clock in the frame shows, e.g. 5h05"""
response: 9h43
